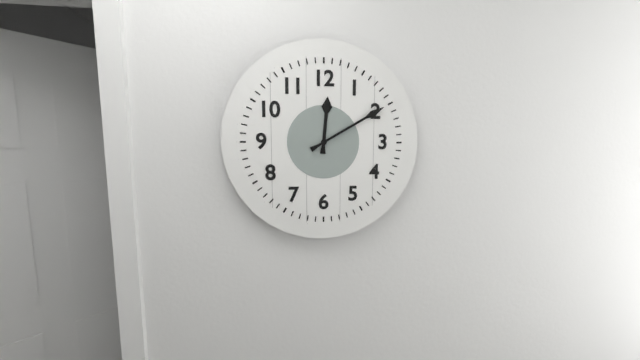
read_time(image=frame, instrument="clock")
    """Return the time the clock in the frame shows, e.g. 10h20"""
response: 12h10
